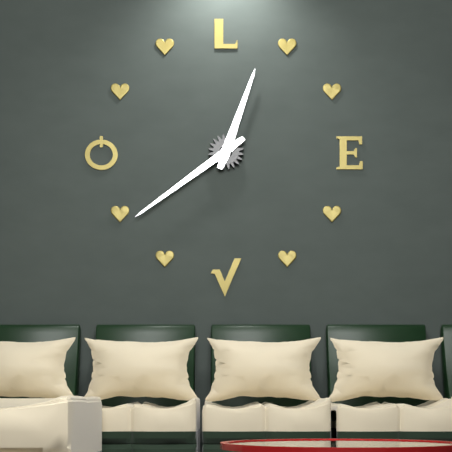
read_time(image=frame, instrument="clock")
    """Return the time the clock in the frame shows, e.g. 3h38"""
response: 12h39
